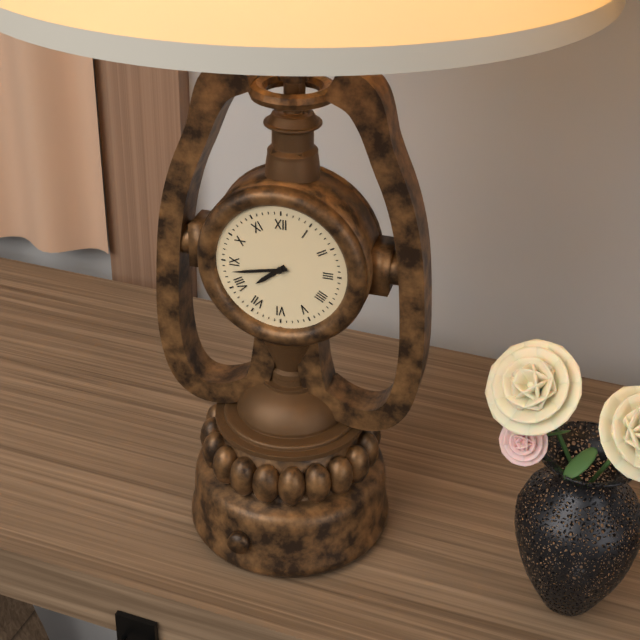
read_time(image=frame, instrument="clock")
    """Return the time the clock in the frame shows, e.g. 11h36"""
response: 7h43
